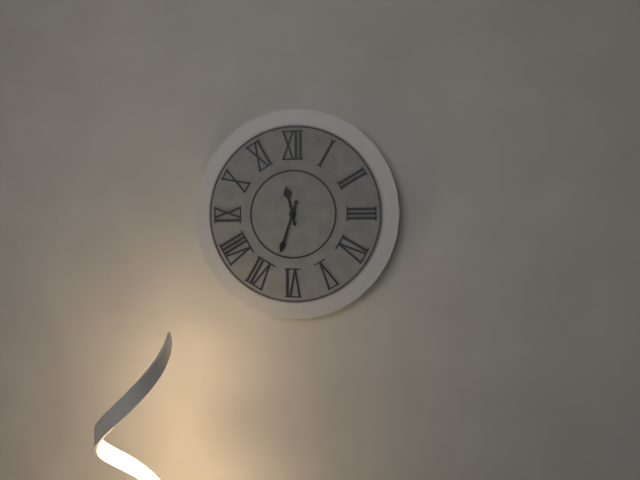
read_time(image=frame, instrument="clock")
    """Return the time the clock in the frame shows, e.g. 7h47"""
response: 11h33
